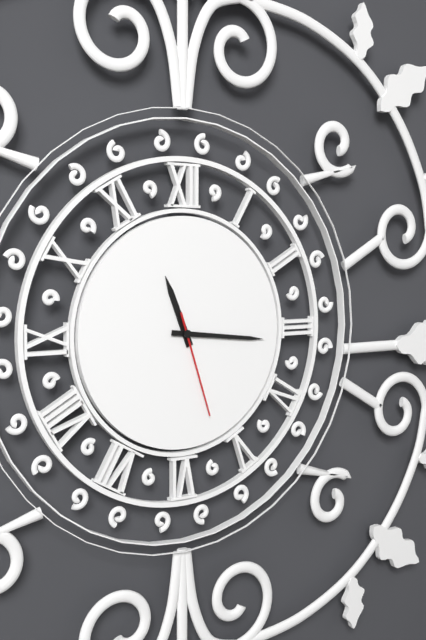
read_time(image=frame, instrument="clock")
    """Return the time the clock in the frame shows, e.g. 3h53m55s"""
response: 11h16m27s
